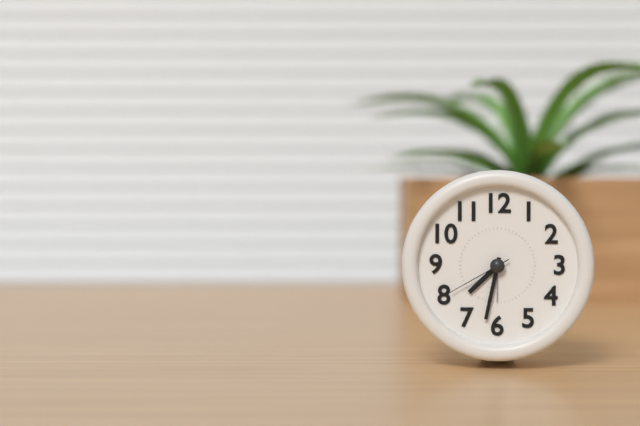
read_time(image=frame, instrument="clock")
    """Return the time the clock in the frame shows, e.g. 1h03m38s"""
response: 7h32m40s
